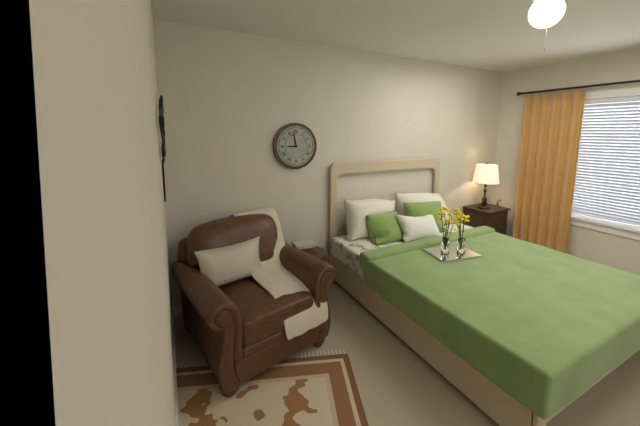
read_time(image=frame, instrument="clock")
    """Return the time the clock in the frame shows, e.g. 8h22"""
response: 8h58
